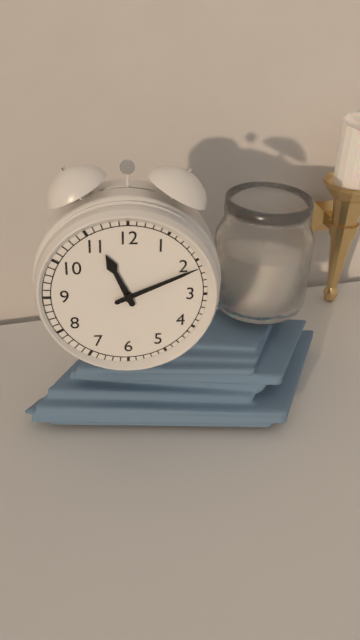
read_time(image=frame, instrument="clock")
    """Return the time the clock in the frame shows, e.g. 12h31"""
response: 11h11
